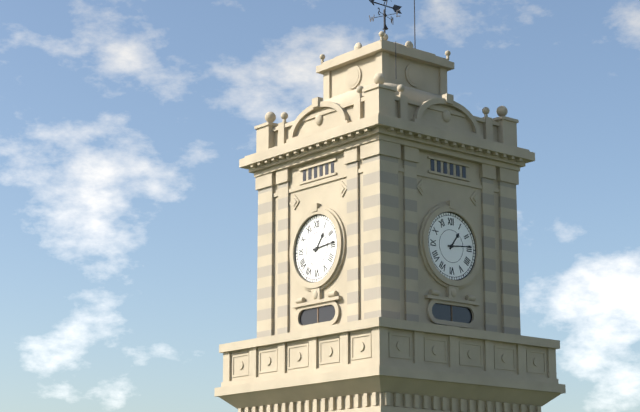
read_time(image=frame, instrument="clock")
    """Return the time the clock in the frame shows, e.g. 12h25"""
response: 1h14
